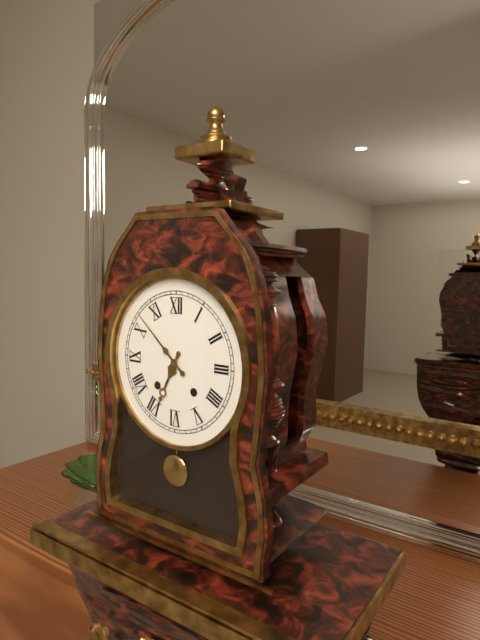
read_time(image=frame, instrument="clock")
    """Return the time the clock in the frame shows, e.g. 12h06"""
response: 6h52
